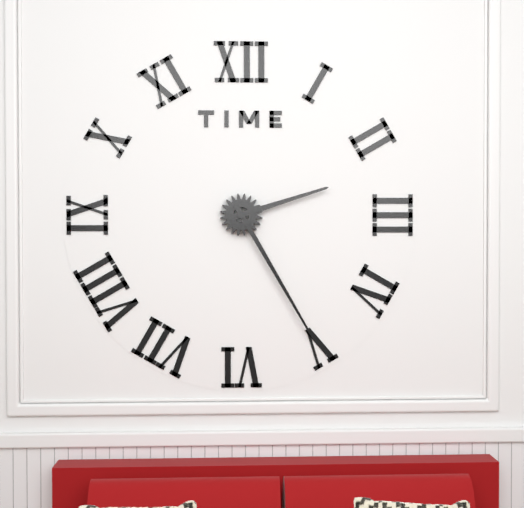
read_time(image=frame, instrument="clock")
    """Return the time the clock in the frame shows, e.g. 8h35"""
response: 2h25
